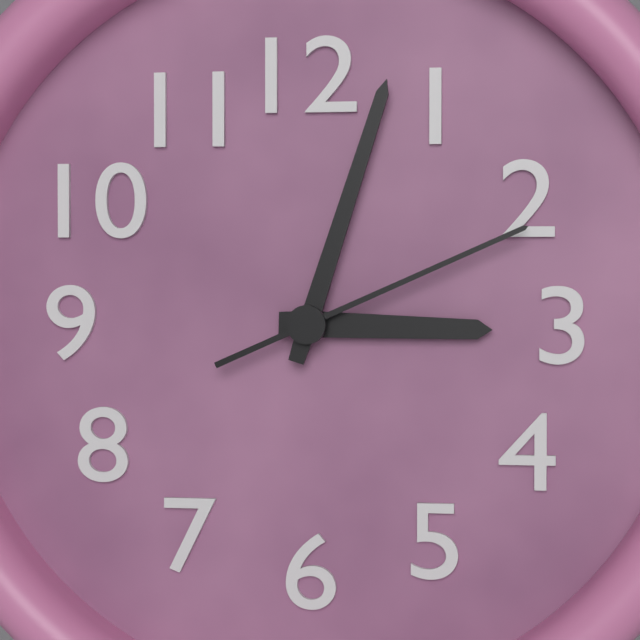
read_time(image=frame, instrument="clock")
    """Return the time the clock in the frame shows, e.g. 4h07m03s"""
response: 3h03m11s
